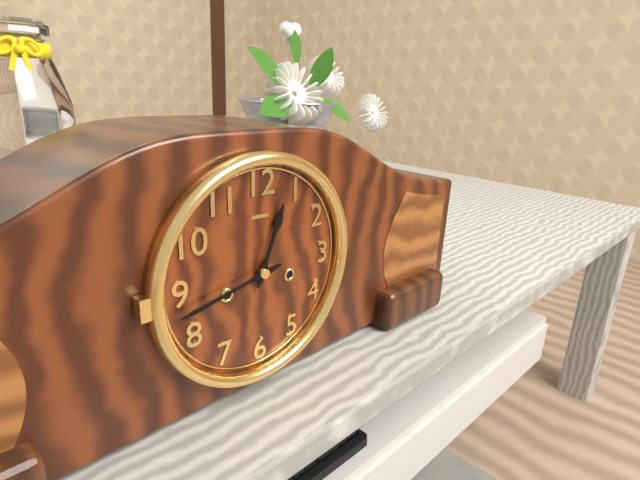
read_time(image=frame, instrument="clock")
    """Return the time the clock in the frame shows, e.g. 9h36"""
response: 12h43
